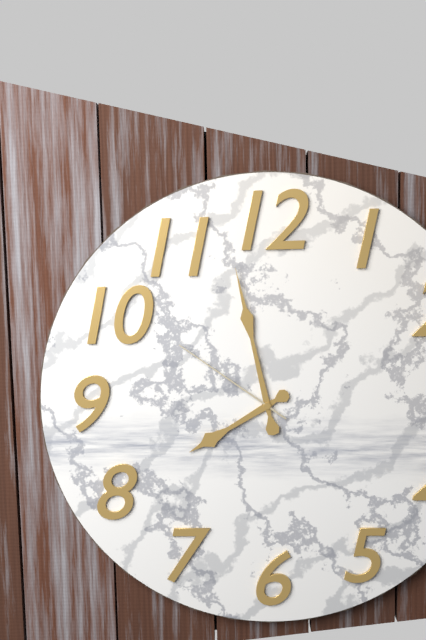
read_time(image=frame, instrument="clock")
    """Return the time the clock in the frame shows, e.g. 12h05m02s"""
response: 7h58m51s
